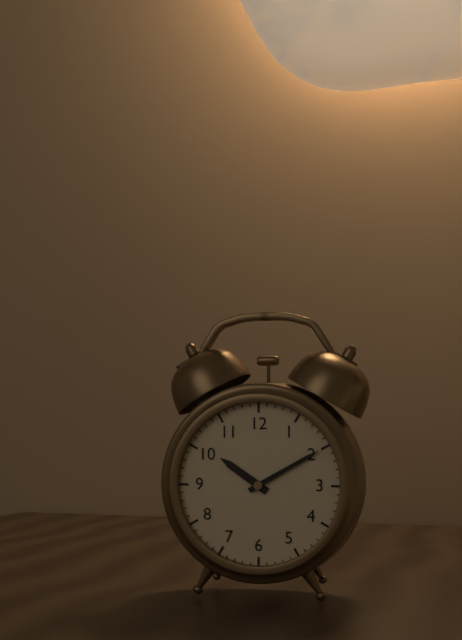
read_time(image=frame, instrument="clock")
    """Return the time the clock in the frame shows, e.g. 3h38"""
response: 10h10
